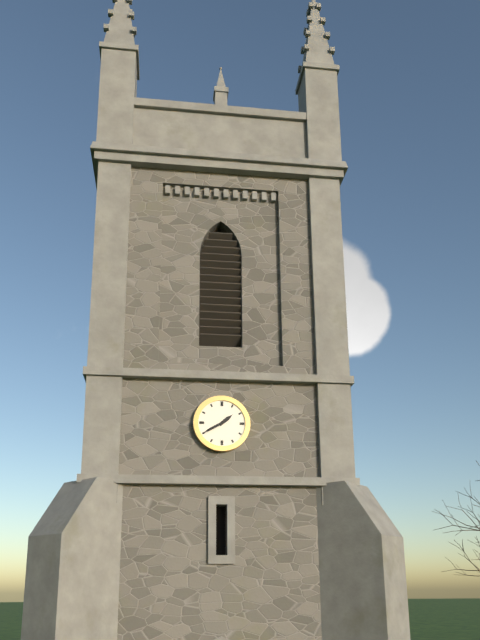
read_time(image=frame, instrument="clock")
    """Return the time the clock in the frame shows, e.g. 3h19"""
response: 1h40
